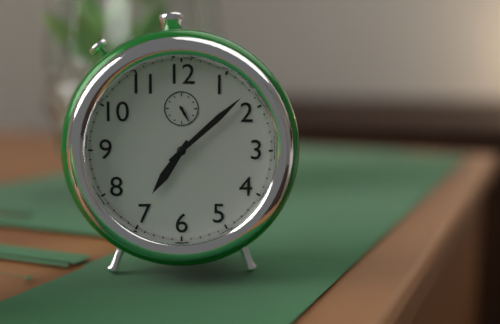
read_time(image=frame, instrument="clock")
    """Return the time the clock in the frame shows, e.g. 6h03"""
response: 7h08
